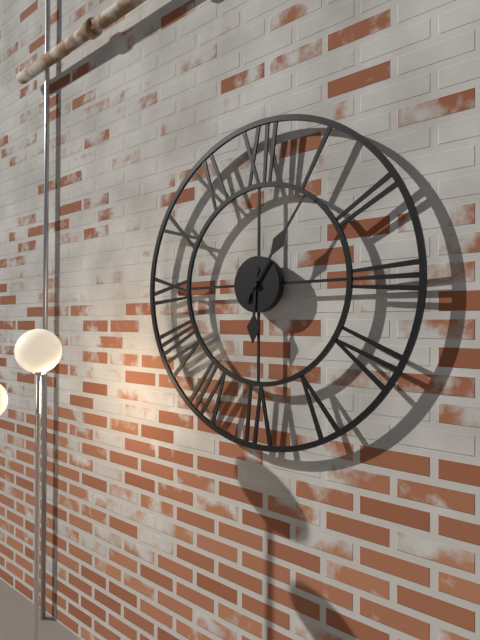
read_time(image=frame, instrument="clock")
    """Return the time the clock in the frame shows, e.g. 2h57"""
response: 6h06
